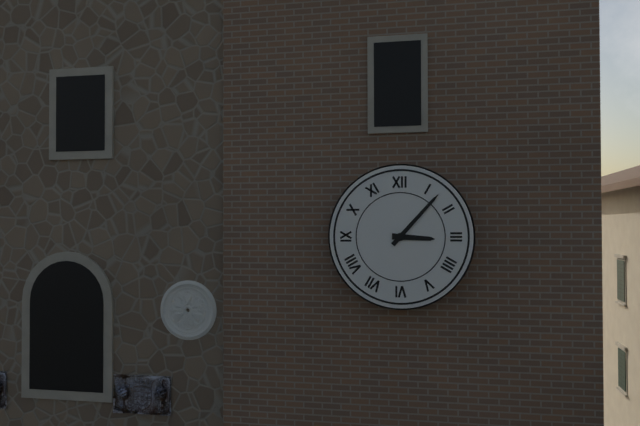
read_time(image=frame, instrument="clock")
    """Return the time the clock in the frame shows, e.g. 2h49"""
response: 3h07
